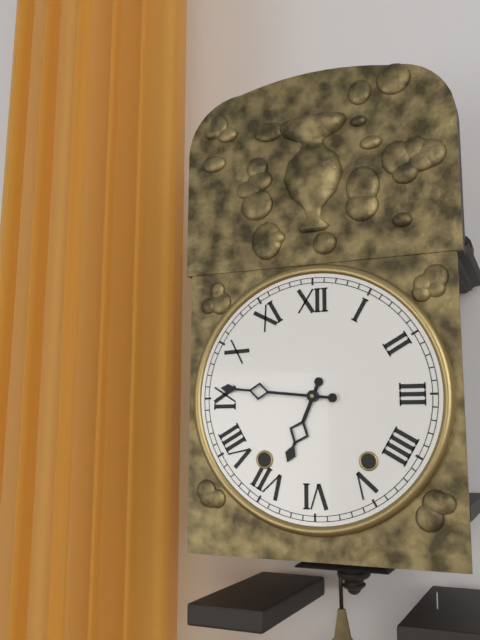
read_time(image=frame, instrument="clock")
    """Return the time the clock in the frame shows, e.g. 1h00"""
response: 6h46
